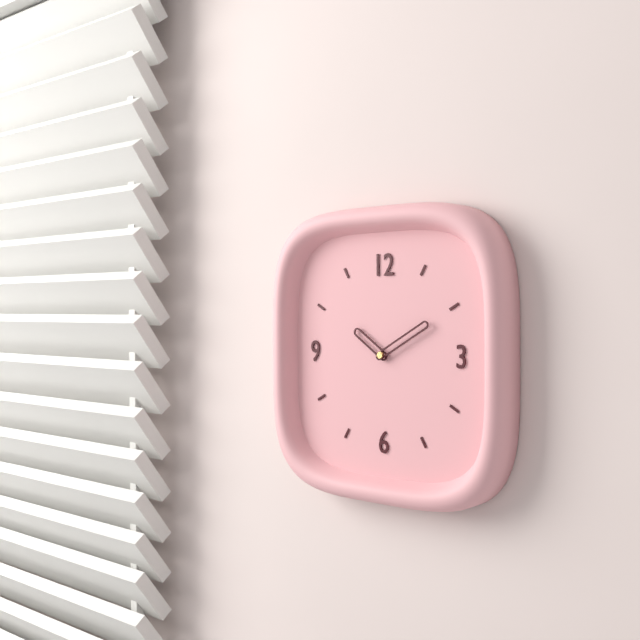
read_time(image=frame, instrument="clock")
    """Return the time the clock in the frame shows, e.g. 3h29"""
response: 10h10
